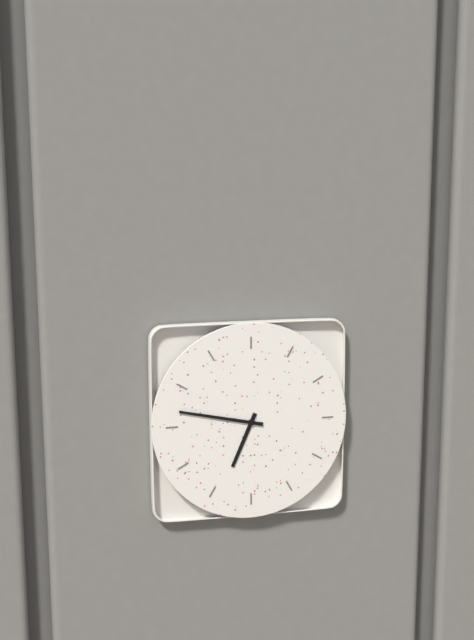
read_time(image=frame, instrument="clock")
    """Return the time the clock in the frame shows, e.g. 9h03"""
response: 6h47
